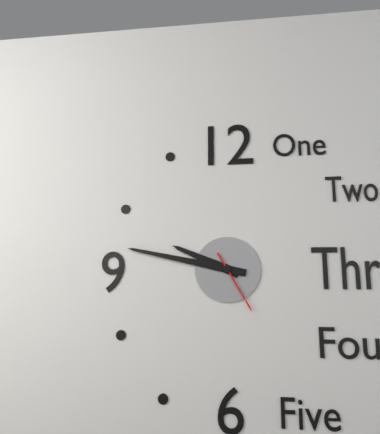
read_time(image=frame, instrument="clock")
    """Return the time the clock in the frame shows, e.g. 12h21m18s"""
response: 9h47m25s
